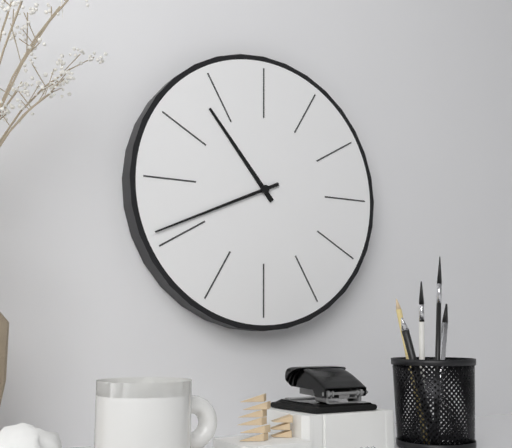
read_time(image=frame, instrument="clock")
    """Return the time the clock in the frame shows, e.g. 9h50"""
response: 10h41
